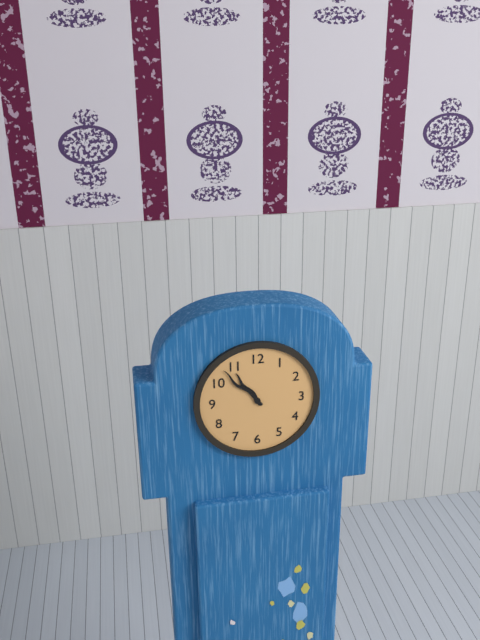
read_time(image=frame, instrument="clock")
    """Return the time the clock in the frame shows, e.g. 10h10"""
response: 10h53
